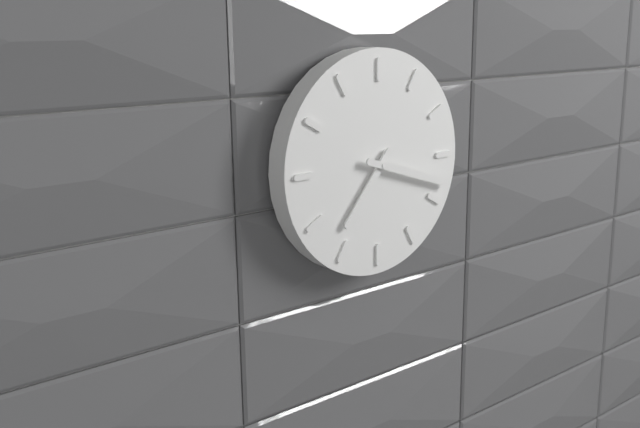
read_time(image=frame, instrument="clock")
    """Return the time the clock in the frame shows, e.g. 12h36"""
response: 7h18
